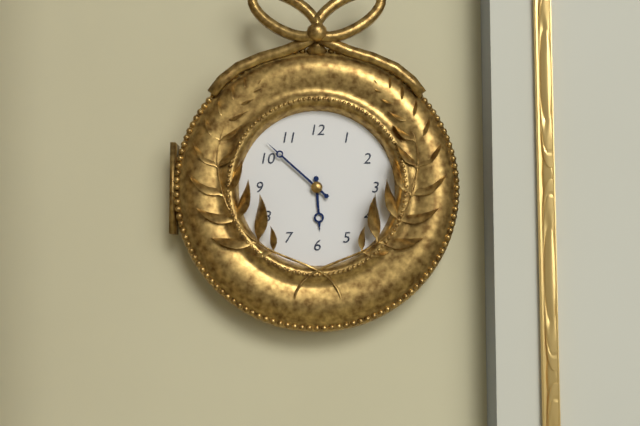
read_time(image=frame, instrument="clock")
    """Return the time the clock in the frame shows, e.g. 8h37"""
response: 5h52
